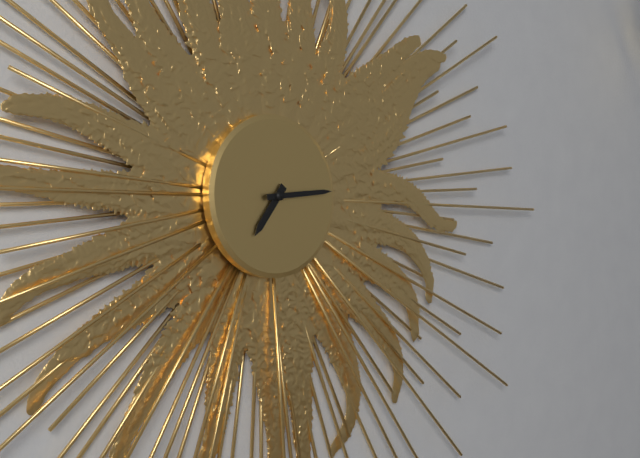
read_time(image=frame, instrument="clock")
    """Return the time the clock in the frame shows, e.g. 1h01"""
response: 7h14
